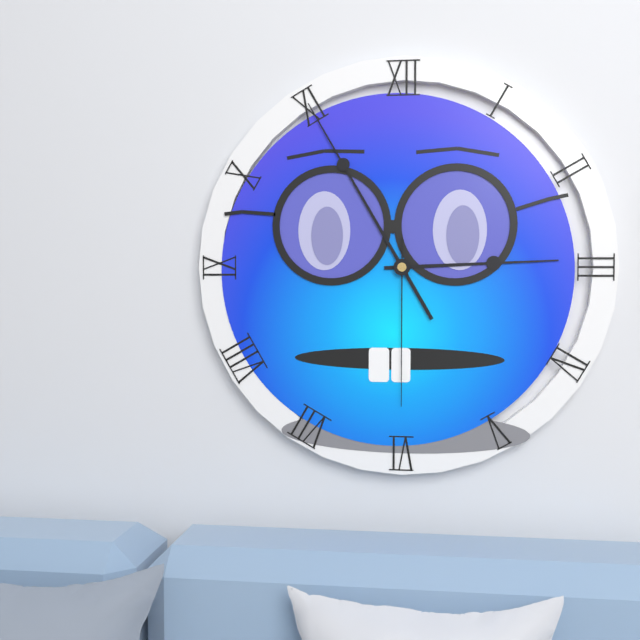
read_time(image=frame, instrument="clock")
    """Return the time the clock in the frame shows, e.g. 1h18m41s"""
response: 2h55m30s
